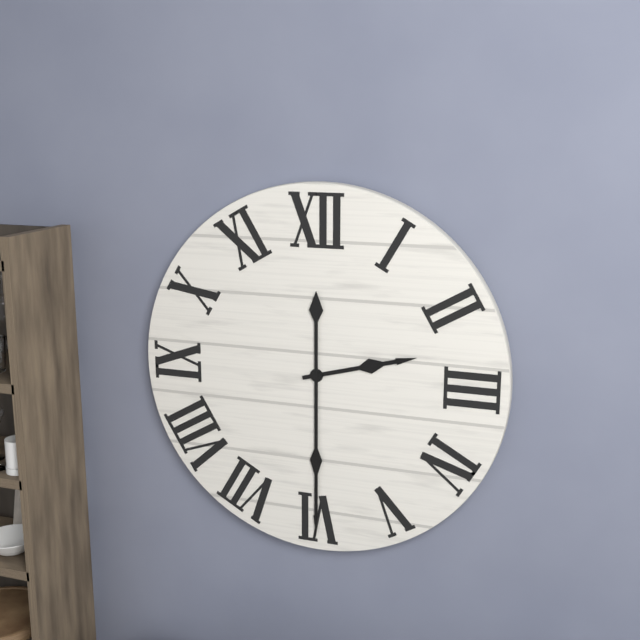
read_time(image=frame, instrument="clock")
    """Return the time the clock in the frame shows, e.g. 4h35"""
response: 2h30
